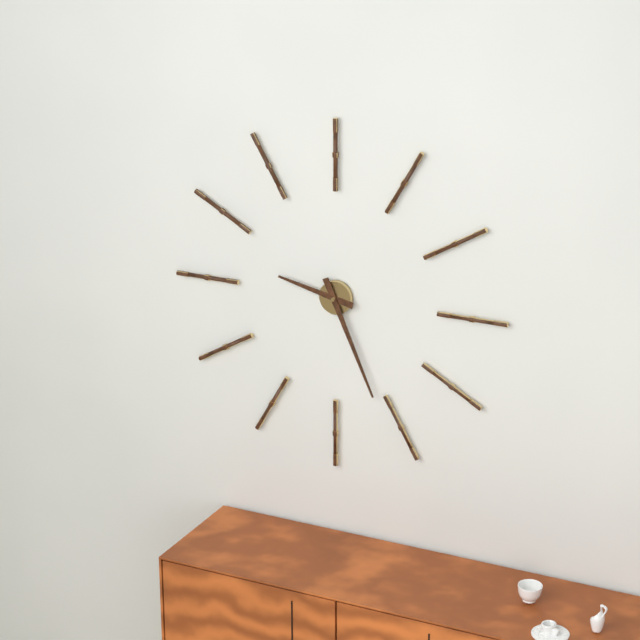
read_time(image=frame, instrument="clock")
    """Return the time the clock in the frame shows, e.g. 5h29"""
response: 9h26
